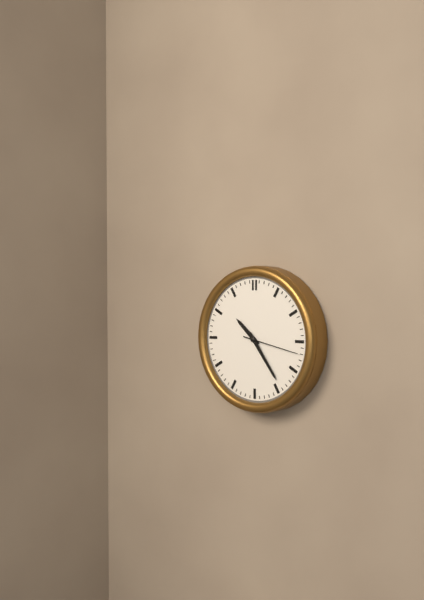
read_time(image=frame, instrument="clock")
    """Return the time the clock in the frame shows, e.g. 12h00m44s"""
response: 10h24m17s
